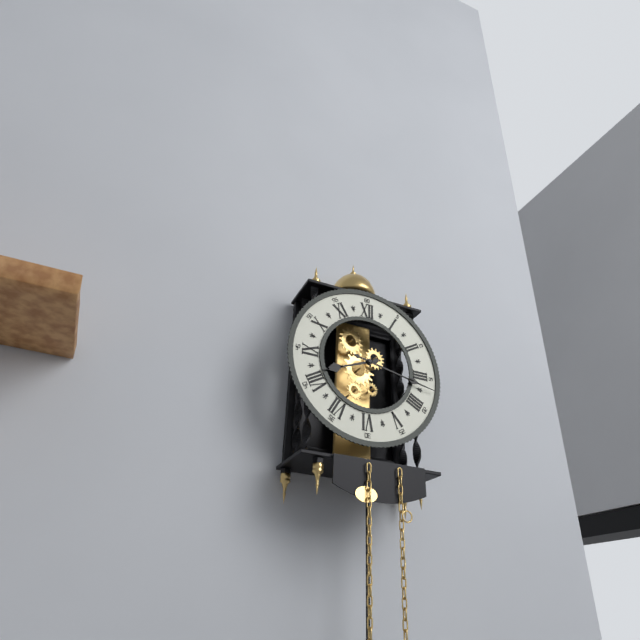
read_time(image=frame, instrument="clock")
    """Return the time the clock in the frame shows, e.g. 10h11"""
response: 8h17
